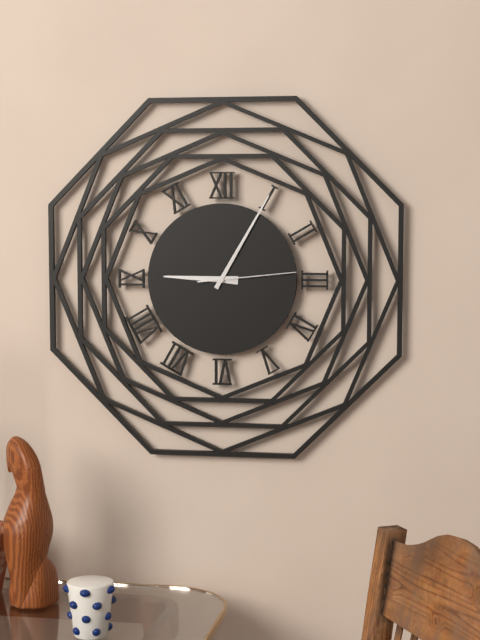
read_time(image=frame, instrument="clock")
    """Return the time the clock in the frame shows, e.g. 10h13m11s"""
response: 9h05m14s
